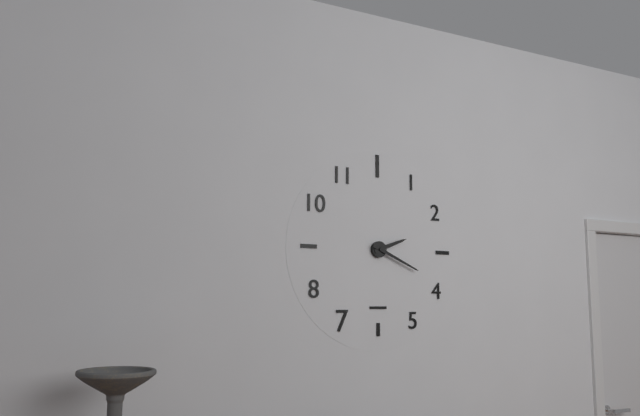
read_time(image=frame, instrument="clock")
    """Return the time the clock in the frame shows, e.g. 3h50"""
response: 2h19
